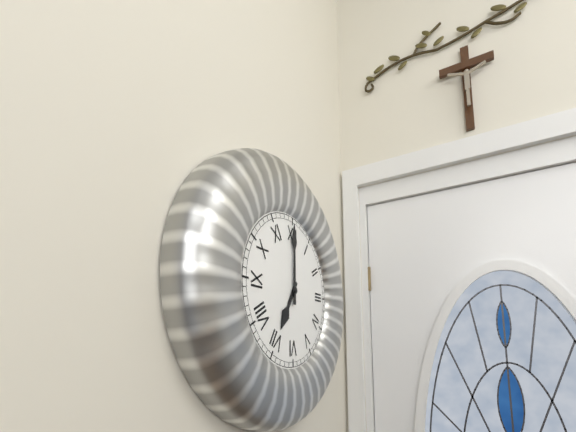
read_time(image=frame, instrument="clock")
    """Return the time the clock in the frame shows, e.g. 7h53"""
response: 7h00
